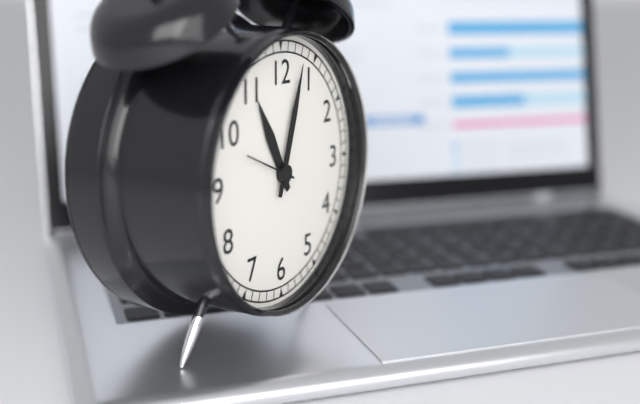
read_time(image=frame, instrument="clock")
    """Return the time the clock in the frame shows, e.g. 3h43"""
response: 11h03
